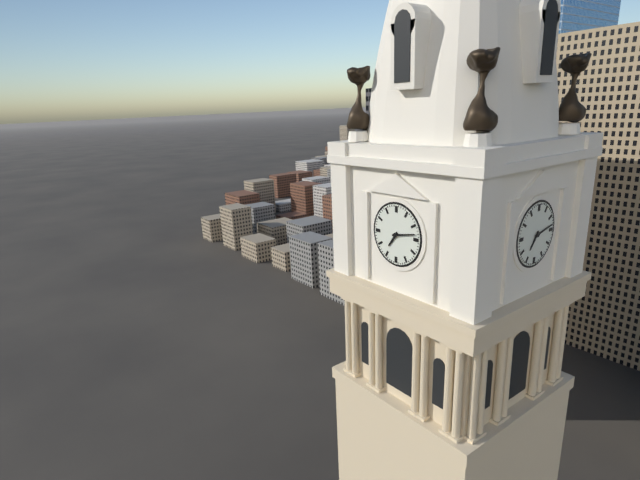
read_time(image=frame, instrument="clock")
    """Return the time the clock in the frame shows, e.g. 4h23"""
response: 7h13
